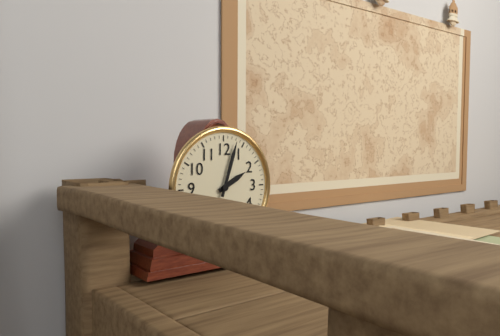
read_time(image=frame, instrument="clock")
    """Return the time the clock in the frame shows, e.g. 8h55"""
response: 2h03
